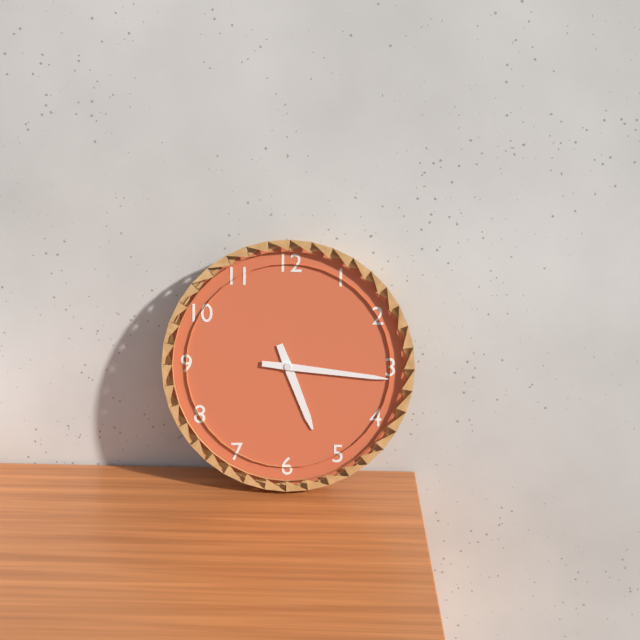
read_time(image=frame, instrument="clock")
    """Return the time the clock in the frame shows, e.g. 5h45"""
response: 5h16
